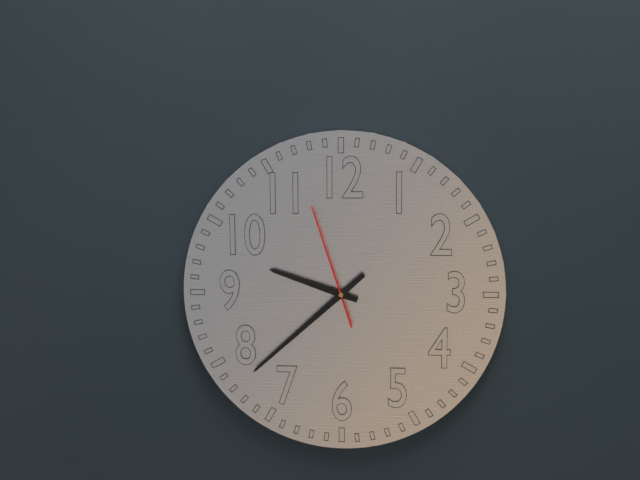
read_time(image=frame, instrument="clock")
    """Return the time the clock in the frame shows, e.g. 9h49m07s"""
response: 9h38m57s
